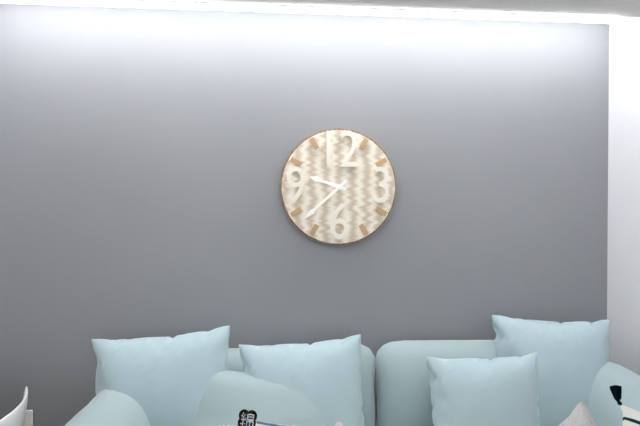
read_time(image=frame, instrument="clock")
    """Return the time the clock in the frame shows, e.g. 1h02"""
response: 9h38
